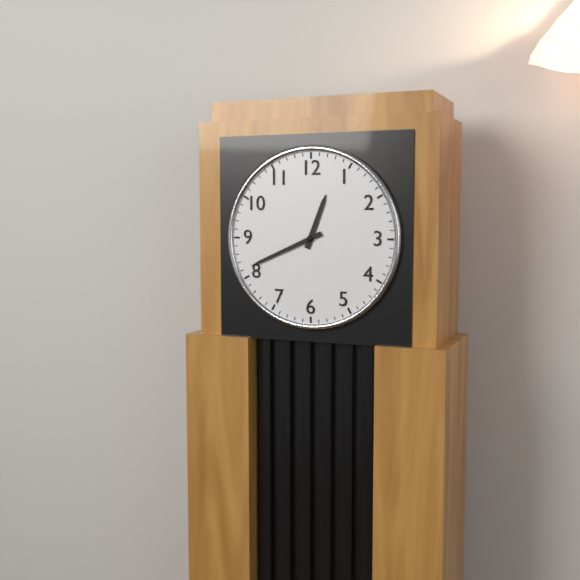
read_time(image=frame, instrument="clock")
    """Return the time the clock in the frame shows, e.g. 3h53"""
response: 12h41
